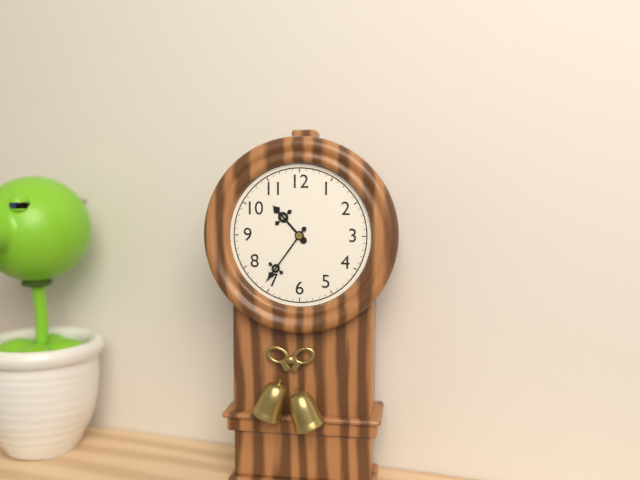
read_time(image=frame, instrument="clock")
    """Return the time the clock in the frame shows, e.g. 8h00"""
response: 10h36
